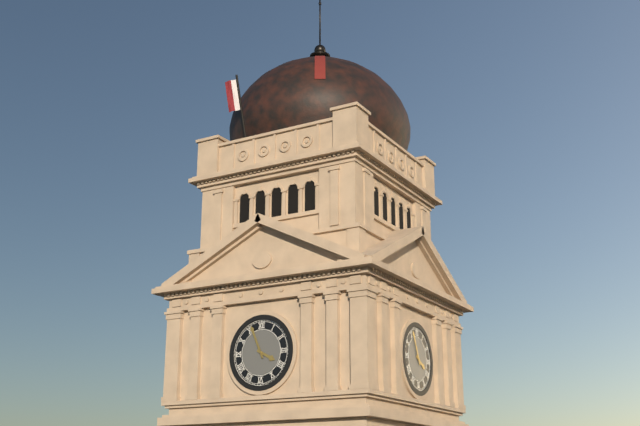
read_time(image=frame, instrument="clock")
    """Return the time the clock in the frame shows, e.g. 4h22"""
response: 3h56
